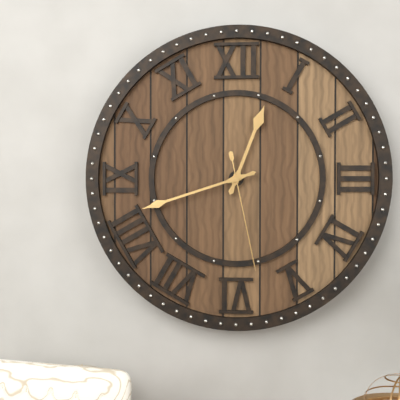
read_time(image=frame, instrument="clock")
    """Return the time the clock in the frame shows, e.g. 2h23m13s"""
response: 12h42m28s
